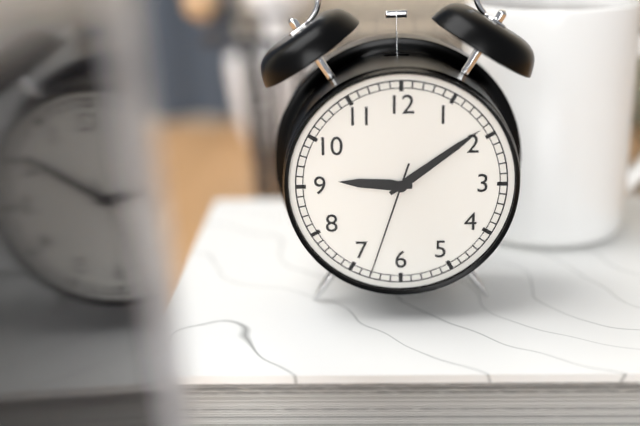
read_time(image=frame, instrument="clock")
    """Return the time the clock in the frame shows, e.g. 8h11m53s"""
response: 9h09m33s
